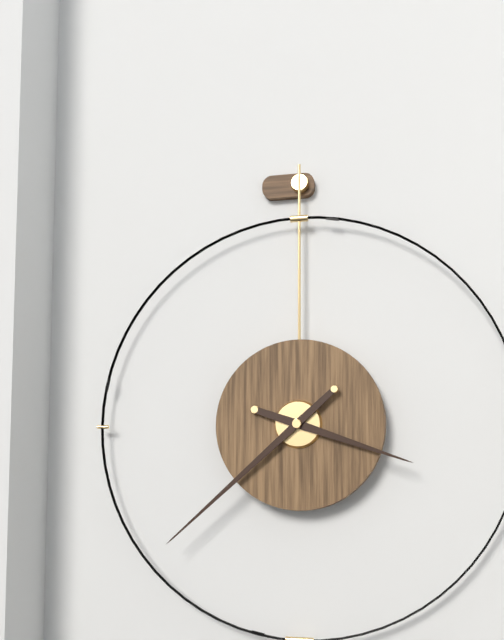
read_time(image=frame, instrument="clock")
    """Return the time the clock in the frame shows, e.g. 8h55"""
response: 3h38
